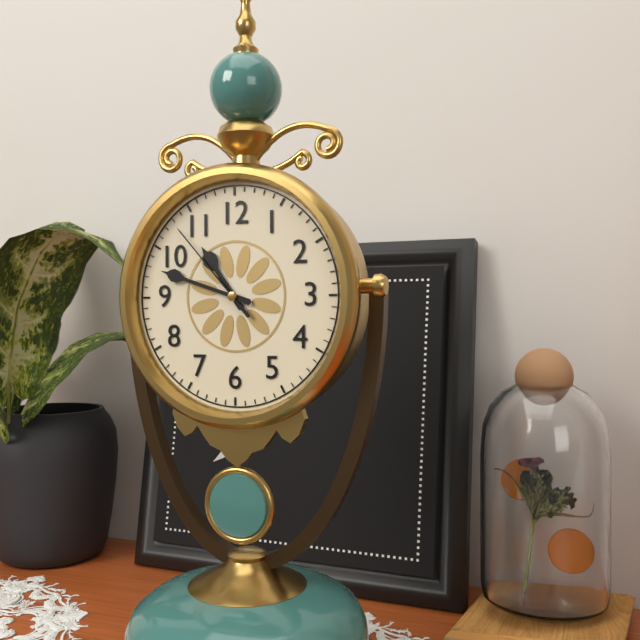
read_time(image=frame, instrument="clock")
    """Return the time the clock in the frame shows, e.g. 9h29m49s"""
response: 10h48m53s
